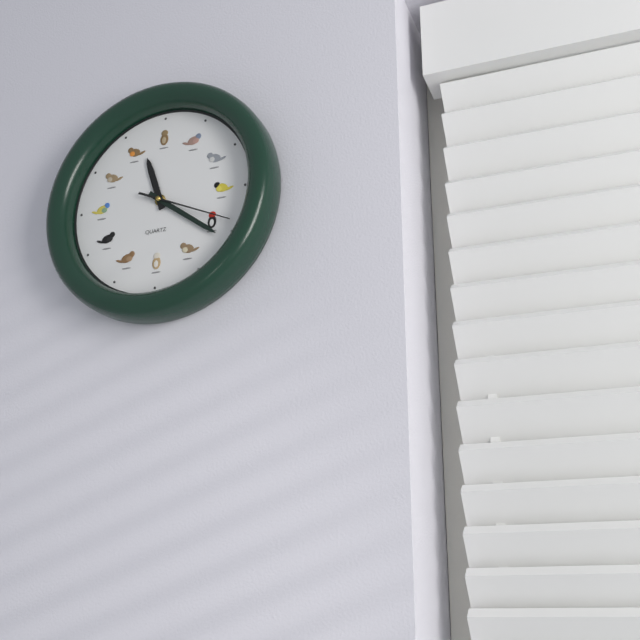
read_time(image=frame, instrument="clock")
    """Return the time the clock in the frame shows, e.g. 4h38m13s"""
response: 11h21m19s
